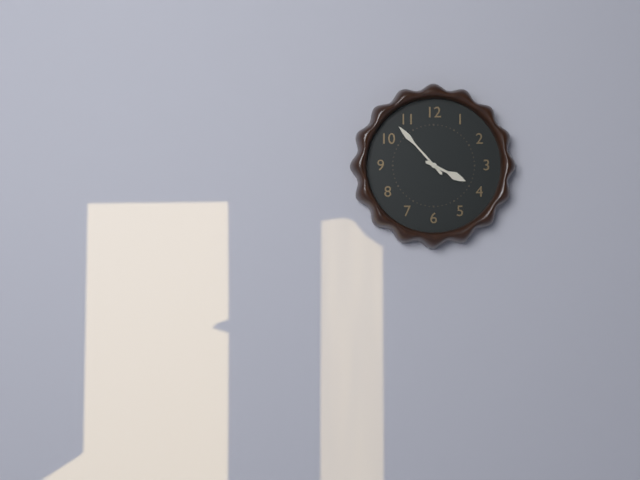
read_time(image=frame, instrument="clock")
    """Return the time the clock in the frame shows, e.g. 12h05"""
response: 3h53
